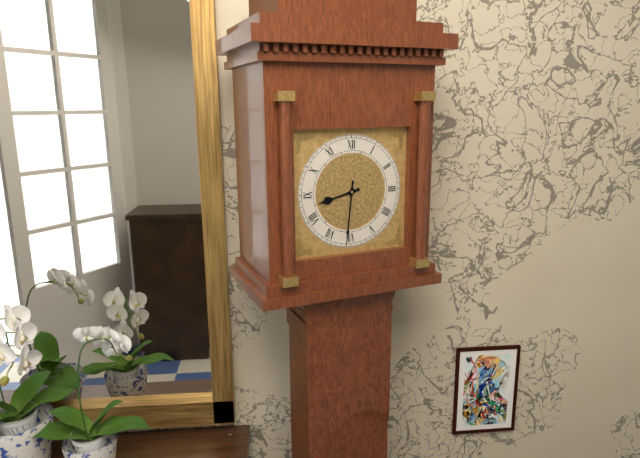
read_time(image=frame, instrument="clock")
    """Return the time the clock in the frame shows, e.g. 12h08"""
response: 8h31
